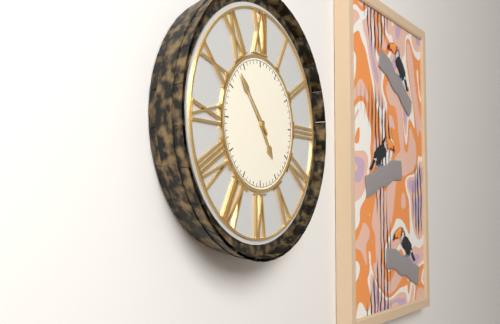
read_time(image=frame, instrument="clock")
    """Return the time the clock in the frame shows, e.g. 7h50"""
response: 4h53
